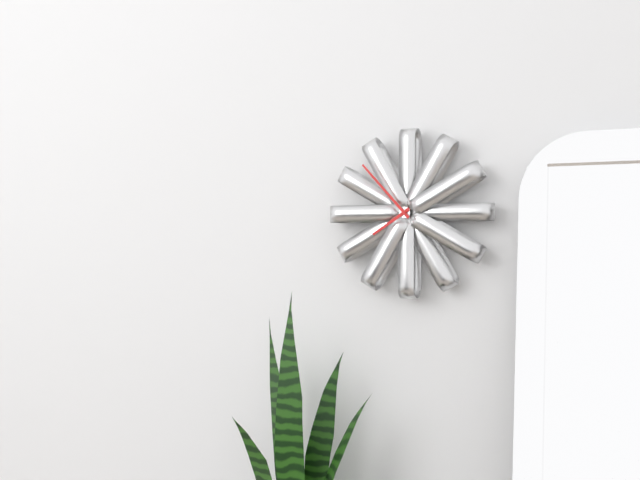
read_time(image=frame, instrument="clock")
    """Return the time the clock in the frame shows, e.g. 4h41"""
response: 7h53
